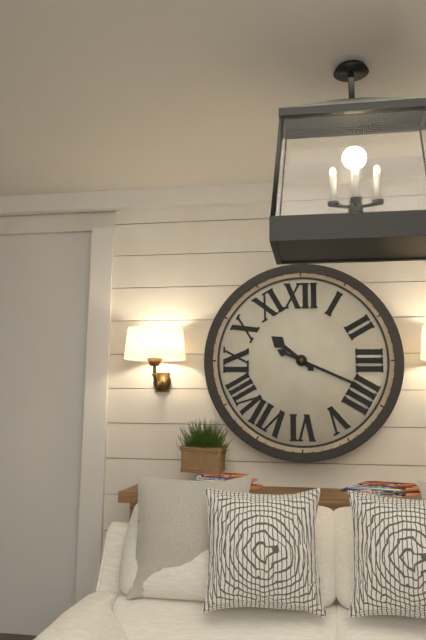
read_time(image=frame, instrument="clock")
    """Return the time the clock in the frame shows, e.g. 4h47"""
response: 10h19
